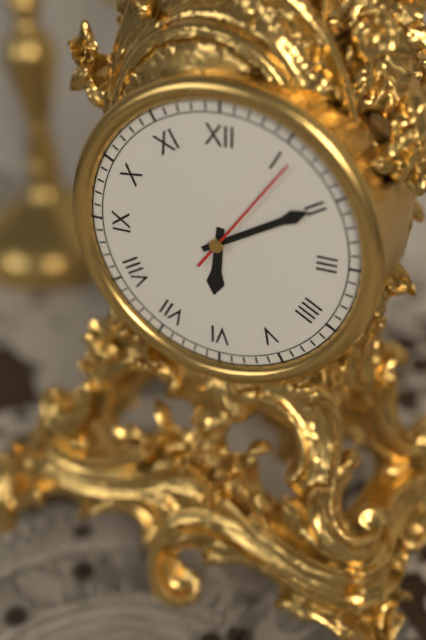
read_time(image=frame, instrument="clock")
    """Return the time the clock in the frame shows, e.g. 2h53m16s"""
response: 6h10m06s
